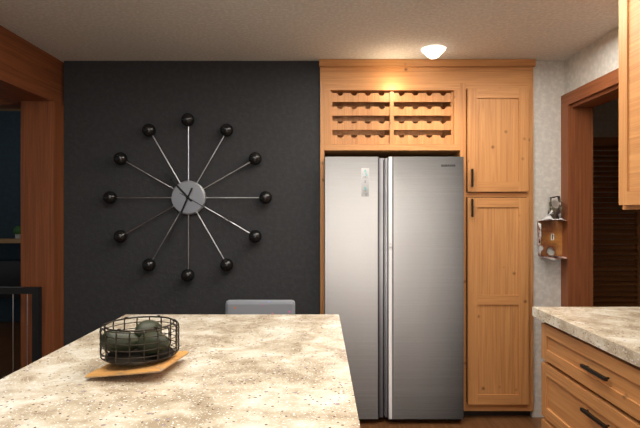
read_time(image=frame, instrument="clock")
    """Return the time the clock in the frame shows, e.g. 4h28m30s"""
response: 10h34m20s
